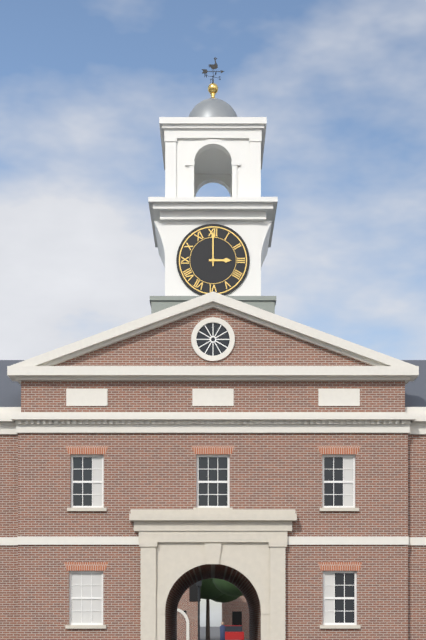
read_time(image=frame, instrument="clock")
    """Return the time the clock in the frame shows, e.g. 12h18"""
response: 3h00
